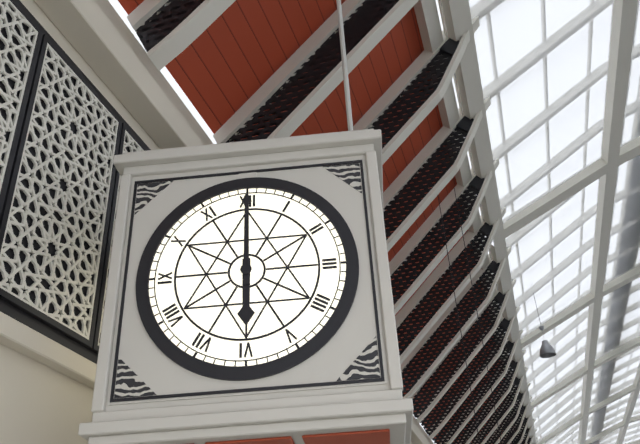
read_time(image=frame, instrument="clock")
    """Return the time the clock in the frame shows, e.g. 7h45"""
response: 6h00
